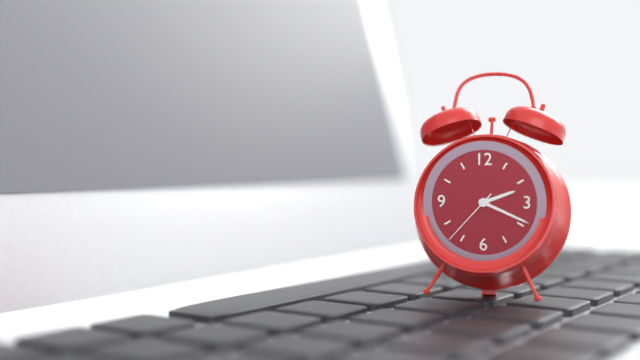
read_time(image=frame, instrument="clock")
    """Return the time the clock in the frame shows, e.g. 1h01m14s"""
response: 2h19m37s
